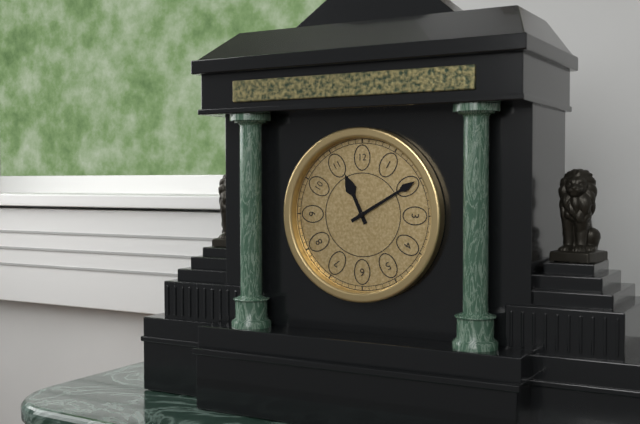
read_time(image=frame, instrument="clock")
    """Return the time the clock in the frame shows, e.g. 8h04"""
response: 11h10
